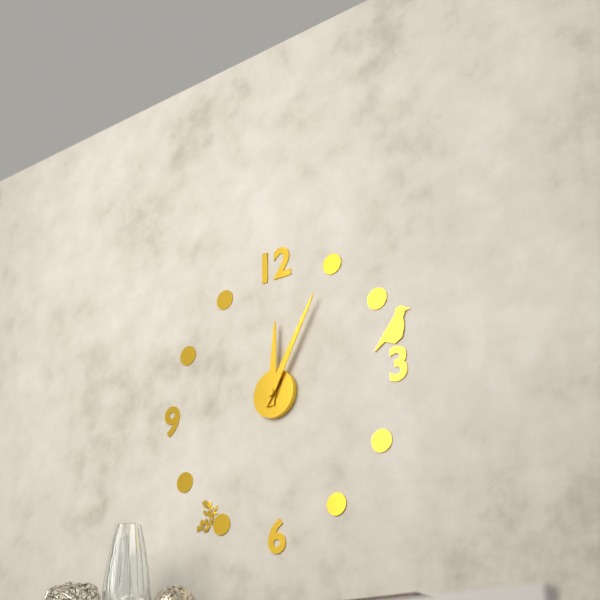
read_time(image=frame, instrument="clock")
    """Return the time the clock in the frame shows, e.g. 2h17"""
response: 12h05
